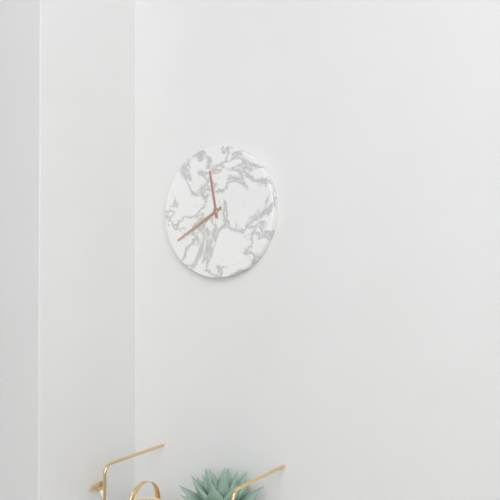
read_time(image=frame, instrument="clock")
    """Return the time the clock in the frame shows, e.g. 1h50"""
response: 11h40
